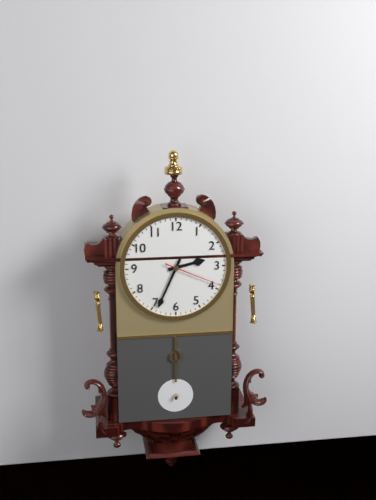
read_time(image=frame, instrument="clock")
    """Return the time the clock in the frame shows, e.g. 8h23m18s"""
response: 2h34m19s
